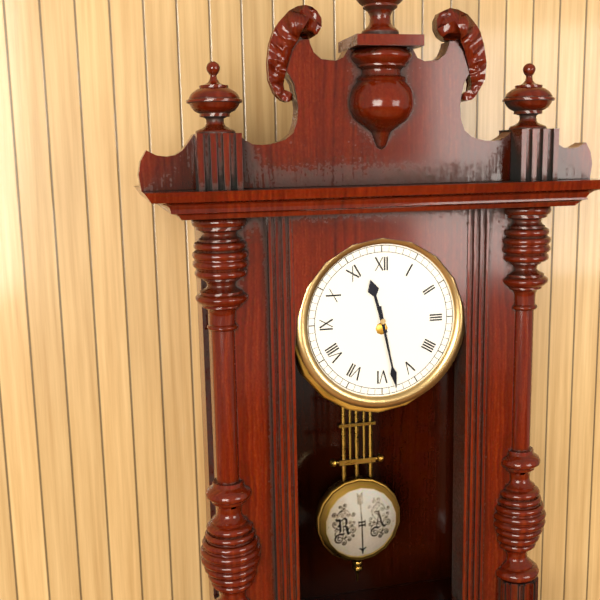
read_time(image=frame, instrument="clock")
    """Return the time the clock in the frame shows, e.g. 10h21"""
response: 11h28
